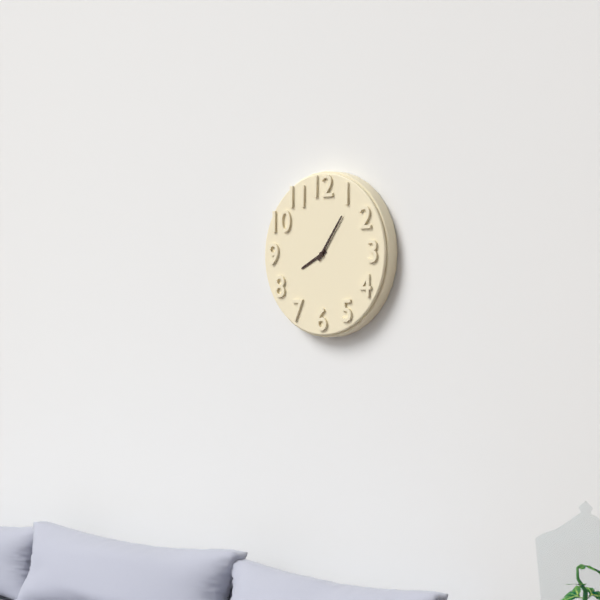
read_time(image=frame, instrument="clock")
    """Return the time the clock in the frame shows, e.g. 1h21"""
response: 8h06
